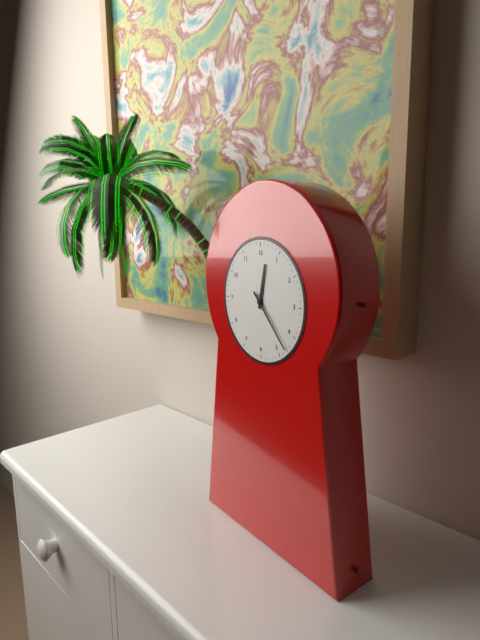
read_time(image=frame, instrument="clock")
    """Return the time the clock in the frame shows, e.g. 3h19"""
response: 12h23
